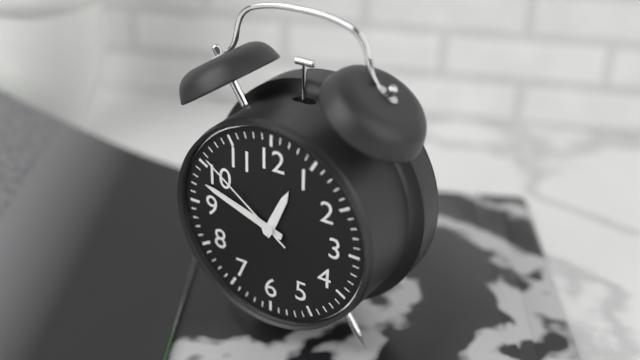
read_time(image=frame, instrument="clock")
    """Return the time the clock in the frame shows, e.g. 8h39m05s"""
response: 12h48m51s
